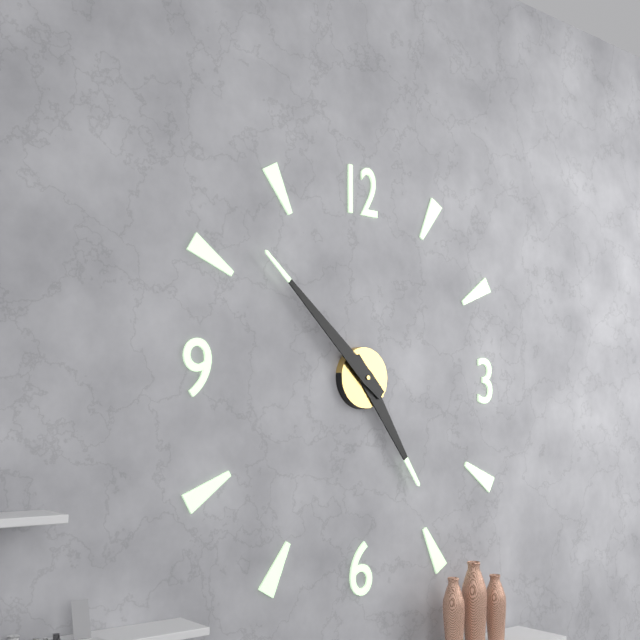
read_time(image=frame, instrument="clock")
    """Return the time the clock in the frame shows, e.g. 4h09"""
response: 4h52
